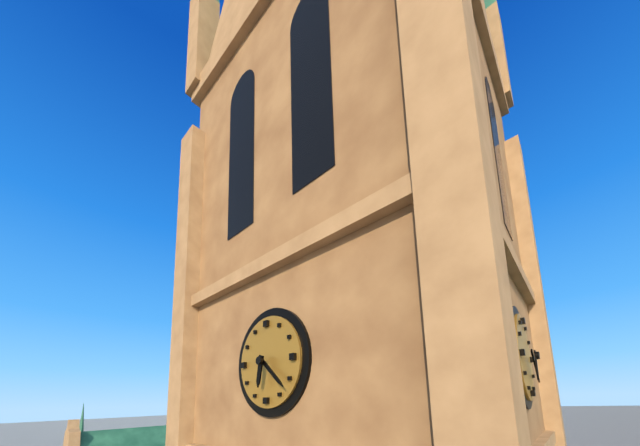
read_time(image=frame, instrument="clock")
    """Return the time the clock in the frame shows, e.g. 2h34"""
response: 6h22
